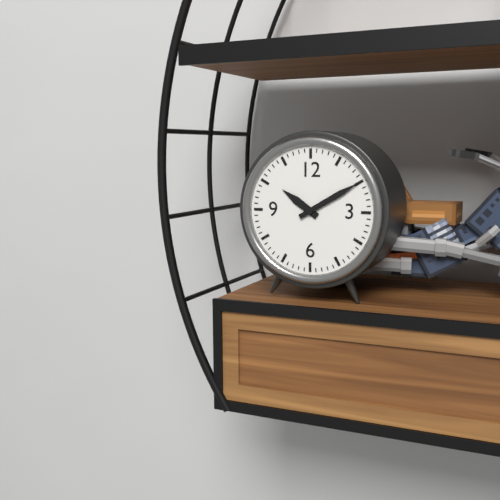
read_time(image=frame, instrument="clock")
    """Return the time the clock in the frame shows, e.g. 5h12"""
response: 10h10
